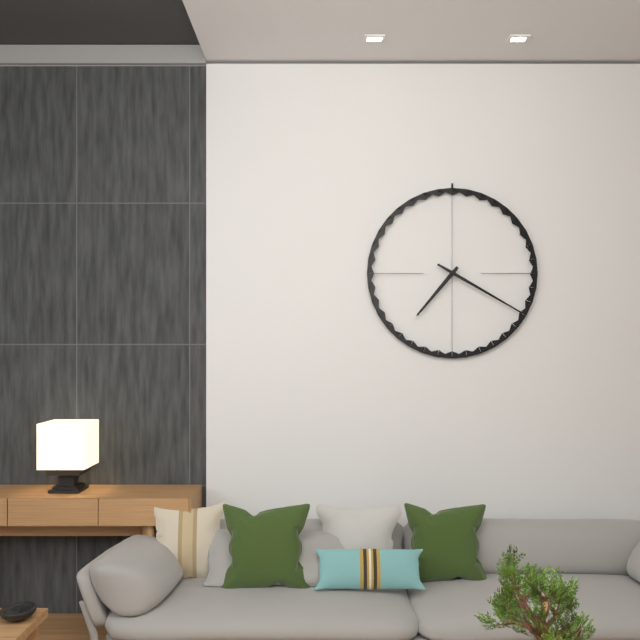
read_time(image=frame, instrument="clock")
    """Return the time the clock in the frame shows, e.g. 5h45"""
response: 7h20
